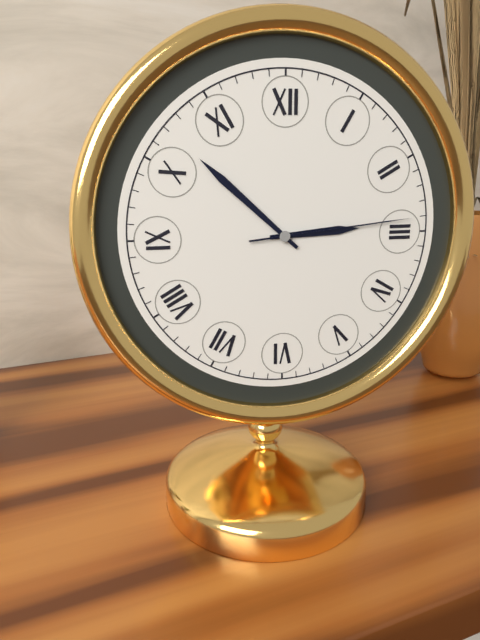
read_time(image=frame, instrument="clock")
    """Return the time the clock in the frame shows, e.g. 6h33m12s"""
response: 2h52m14s
